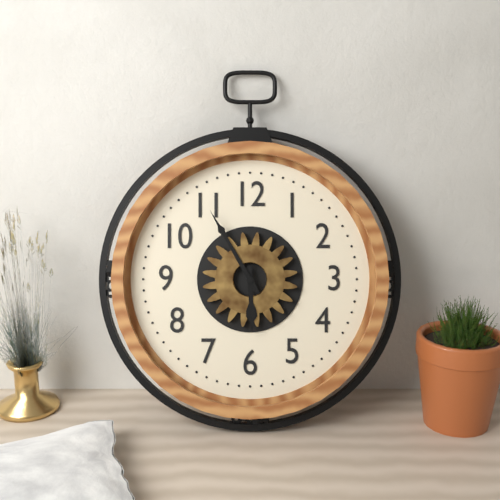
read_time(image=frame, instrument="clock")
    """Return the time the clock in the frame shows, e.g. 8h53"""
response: 5h55
